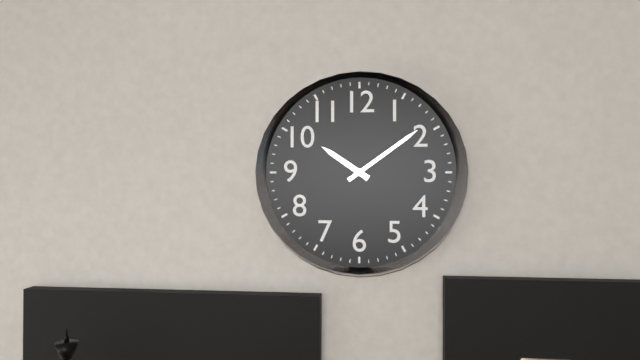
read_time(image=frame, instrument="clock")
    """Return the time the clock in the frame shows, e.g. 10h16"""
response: 10h09
